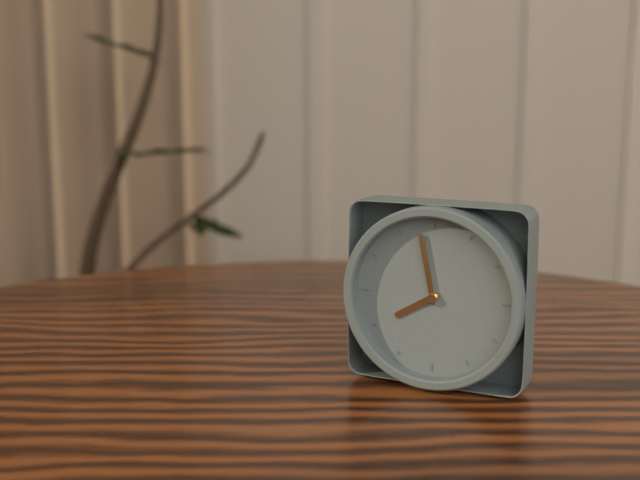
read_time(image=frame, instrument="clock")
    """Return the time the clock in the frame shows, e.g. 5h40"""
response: 7h58
